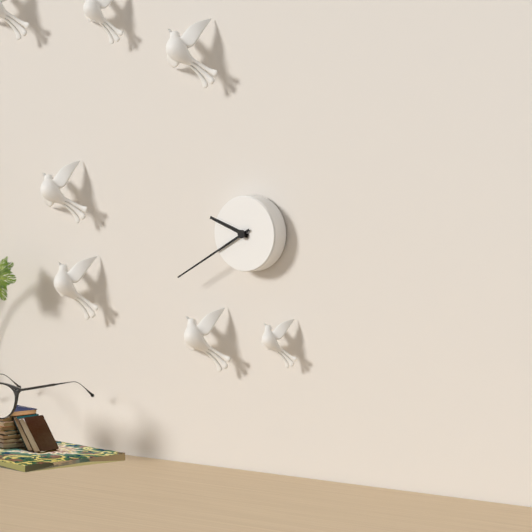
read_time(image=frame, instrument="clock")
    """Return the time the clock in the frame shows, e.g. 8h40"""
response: 9h40
